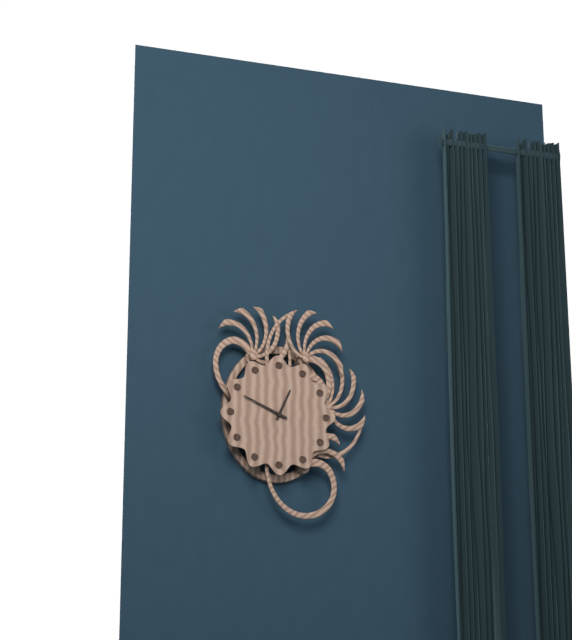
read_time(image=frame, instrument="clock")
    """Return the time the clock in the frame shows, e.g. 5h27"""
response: 12h49
